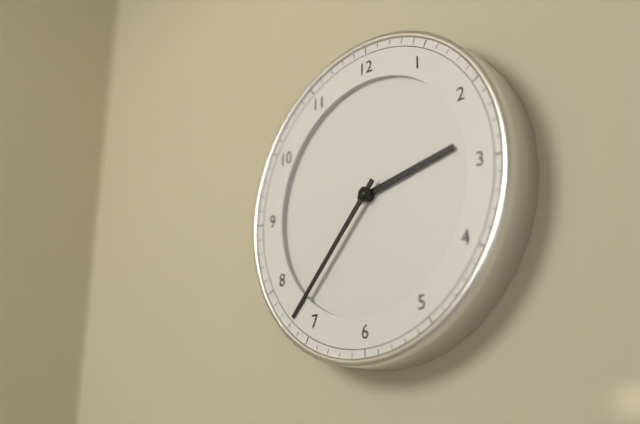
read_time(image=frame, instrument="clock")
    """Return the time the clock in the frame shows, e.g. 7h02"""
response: 2h37
